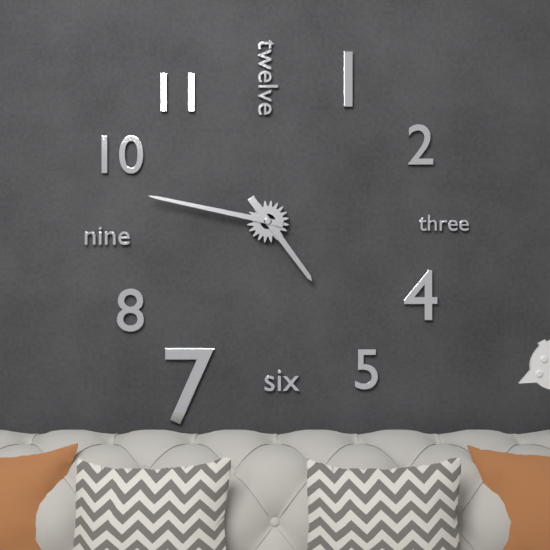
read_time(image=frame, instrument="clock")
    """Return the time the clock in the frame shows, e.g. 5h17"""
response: 4h47
